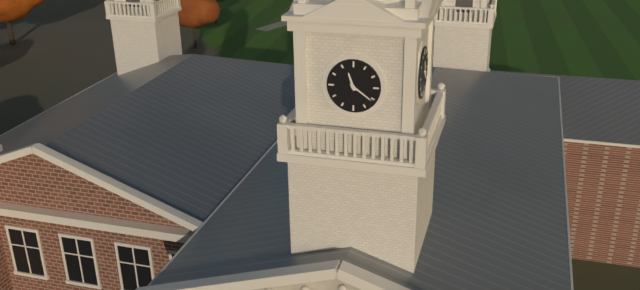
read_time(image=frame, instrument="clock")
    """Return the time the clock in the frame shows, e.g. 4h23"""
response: 11h21
